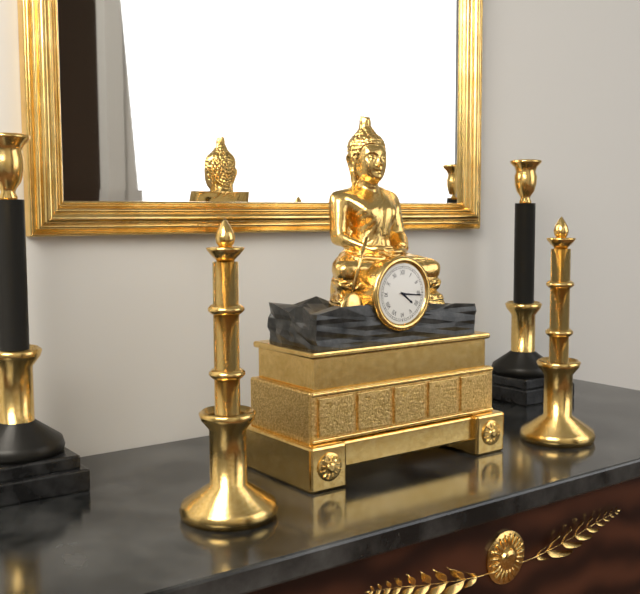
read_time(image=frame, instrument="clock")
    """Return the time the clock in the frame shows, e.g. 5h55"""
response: 4h16
